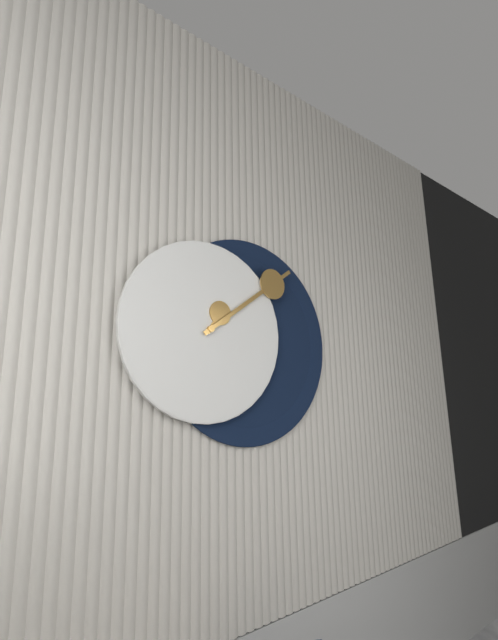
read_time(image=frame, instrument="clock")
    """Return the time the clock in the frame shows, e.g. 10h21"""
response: 1h09
